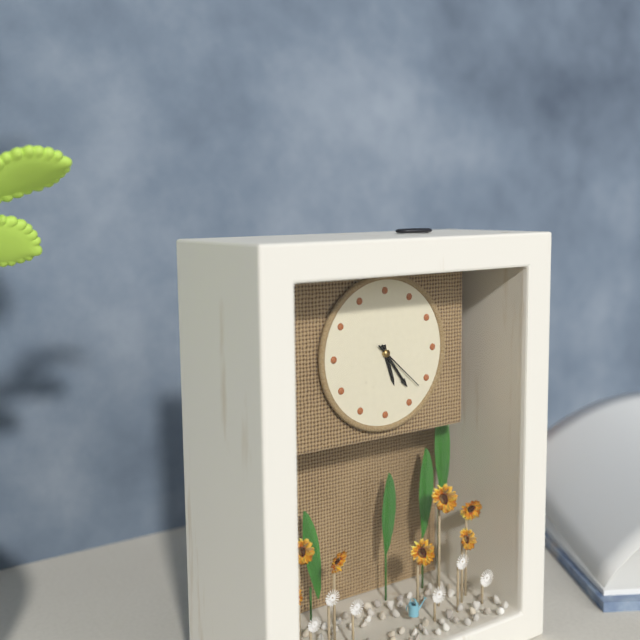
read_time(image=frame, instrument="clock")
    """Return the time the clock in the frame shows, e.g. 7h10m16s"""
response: 5h24m22s
